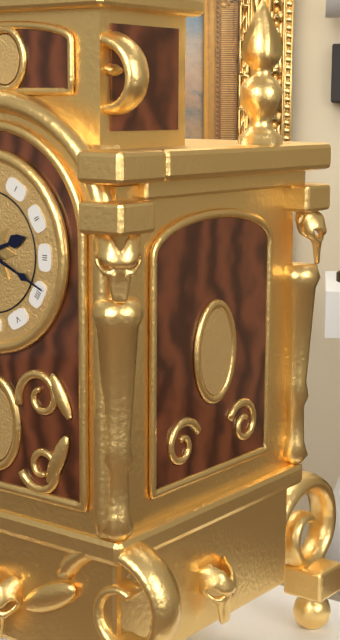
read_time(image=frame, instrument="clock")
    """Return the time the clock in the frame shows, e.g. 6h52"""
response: 2h19
